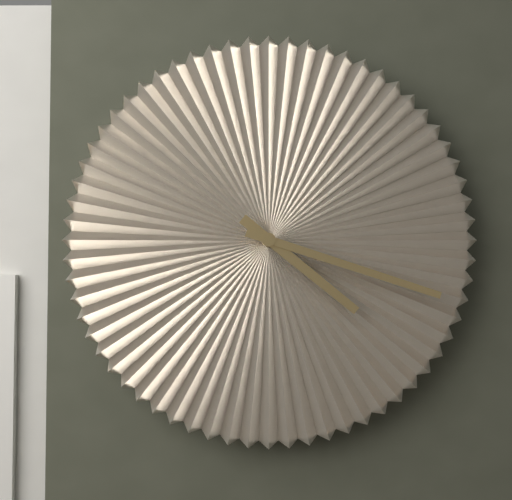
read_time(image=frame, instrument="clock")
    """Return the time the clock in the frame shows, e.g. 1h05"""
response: 4h18
